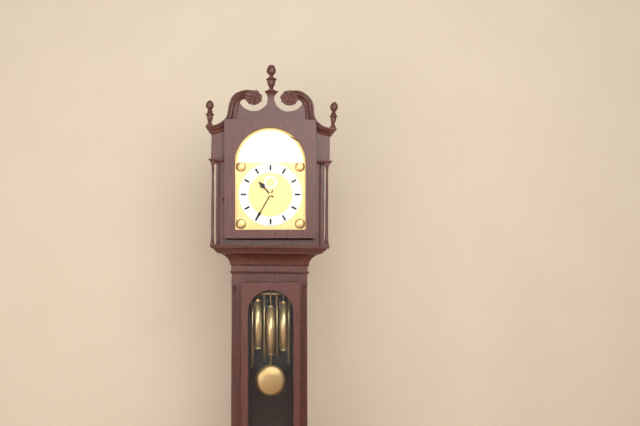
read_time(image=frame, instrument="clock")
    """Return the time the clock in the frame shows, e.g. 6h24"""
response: 10h35
